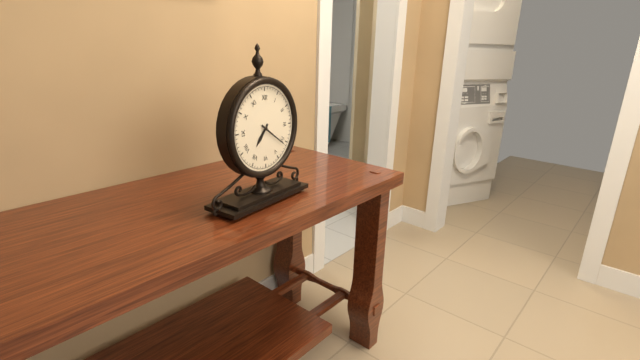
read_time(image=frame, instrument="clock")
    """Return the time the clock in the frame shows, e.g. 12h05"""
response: 7h21
